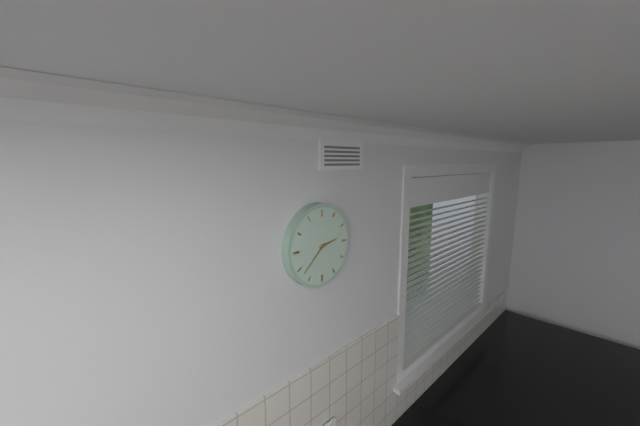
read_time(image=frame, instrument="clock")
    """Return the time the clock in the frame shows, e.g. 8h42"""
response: 2h38
